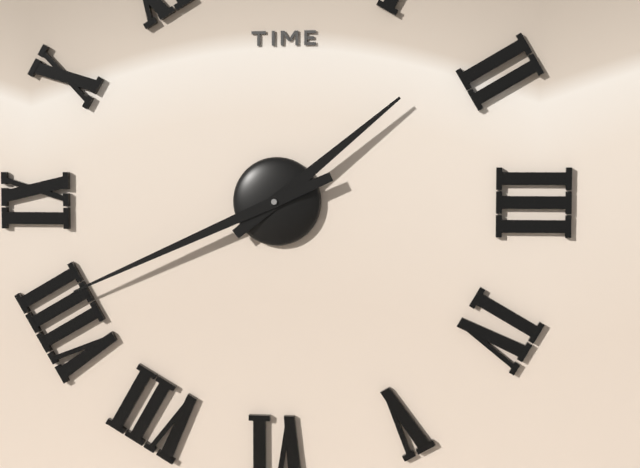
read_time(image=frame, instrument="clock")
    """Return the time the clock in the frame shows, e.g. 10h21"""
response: 1h41
